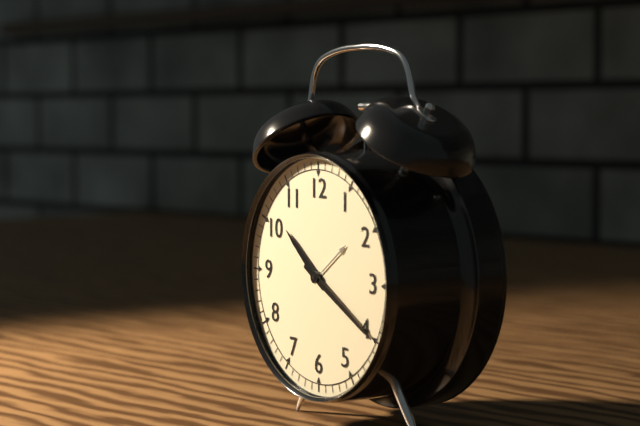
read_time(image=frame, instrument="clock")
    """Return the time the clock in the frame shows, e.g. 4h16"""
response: 10h20
